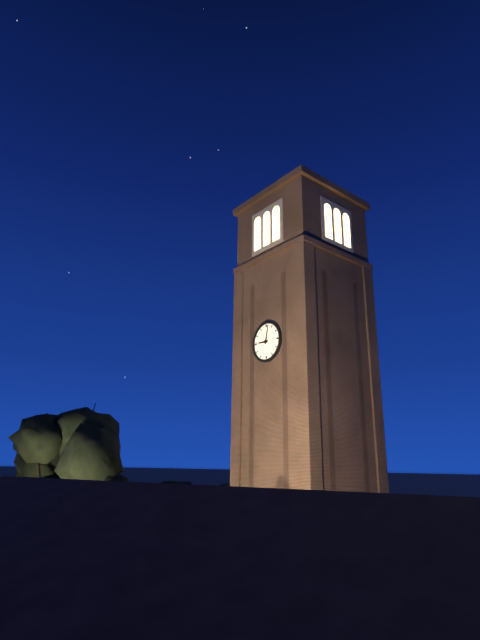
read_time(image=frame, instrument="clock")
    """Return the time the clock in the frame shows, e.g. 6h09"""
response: 9h02
